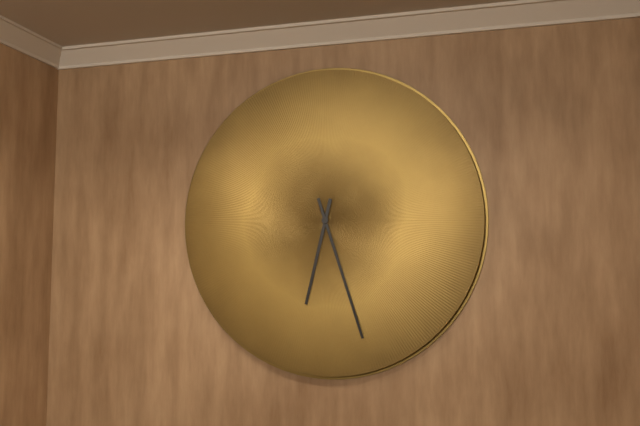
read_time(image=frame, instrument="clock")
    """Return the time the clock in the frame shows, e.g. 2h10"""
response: 6h27
